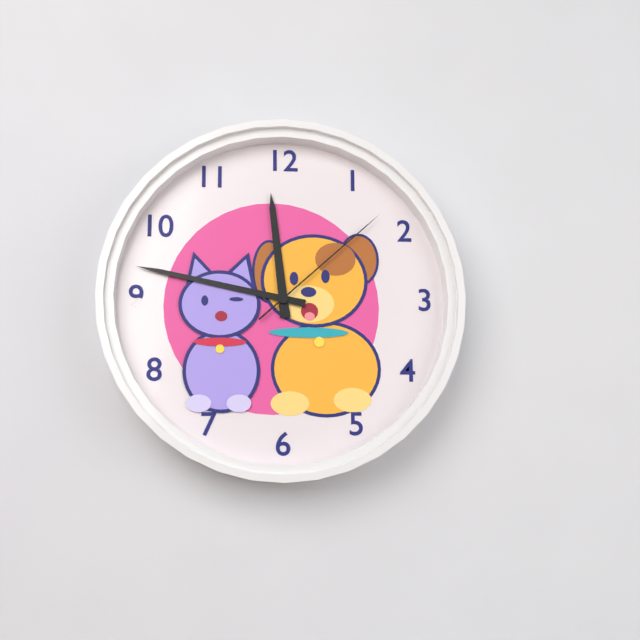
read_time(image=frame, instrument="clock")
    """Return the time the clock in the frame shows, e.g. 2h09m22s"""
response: 11h47m08s
